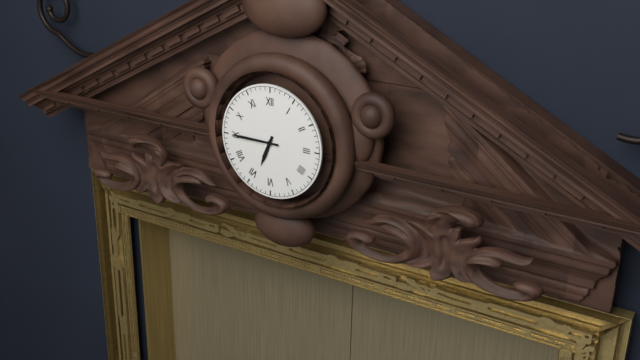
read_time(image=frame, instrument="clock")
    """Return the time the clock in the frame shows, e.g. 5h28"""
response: 6h45
